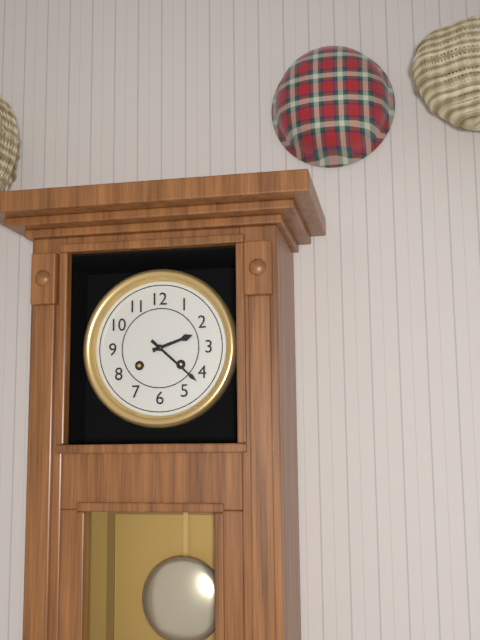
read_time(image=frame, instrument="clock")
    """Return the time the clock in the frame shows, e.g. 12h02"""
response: 2h22
